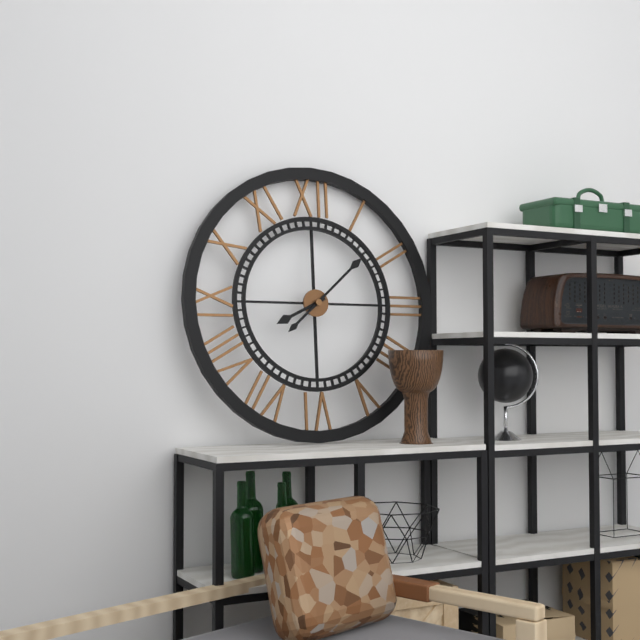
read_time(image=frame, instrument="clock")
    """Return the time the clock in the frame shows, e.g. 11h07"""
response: 8h08
